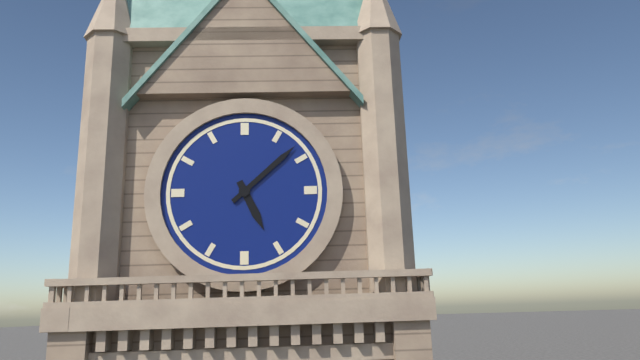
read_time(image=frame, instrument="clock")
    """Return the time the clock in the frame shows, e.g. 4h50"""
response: 5h08
